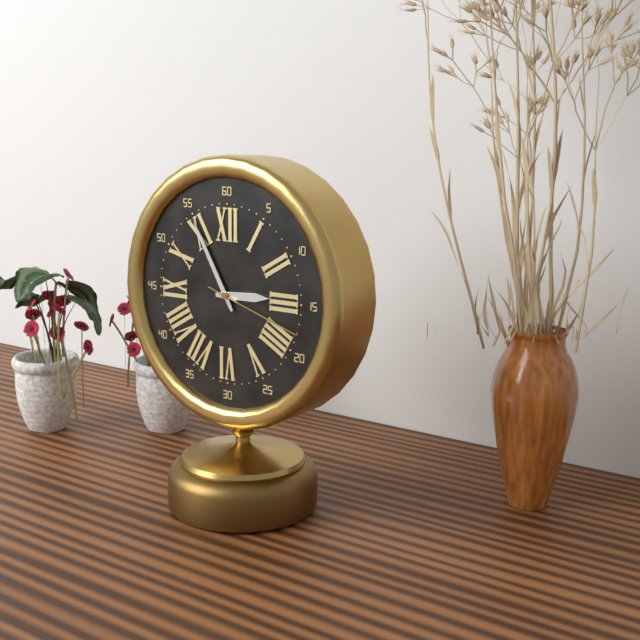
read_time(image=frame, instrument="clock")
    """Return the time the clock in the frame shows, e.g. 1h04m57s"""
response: 2h55m18s
